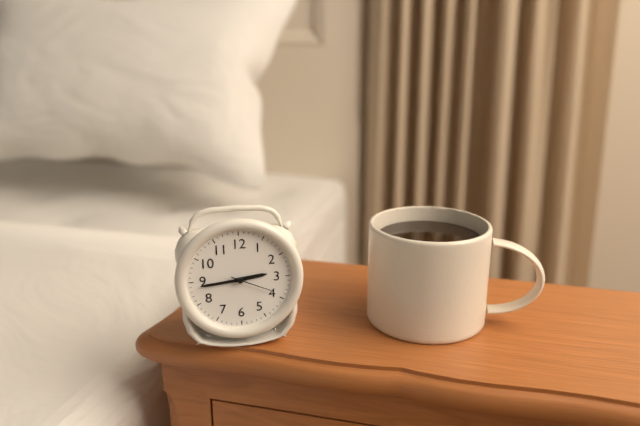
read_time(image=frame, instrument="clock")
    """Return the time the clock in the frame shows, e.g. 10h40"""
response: 2h44
